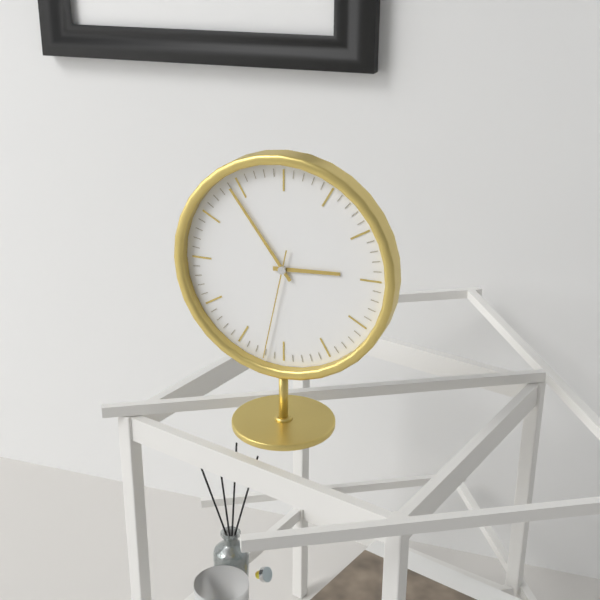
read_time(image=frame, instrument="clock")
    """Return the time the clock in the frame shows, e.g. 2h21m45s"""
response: 2h54m32s
